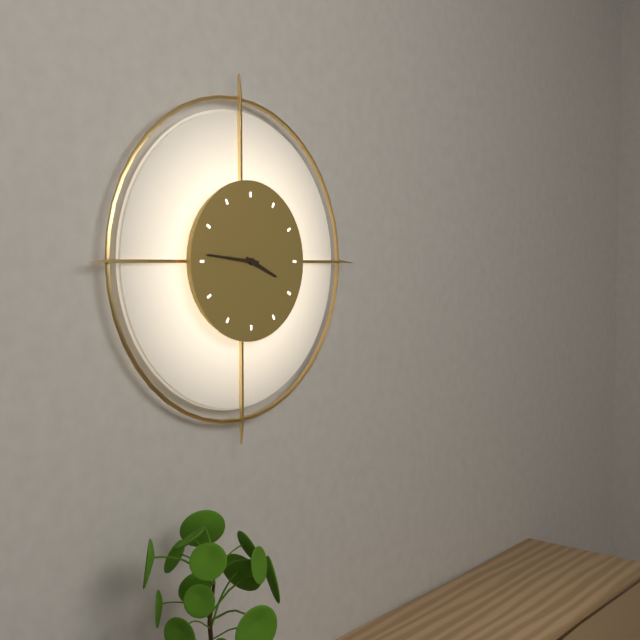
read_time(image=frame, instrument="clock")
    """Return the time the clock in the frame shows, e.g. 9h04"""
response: 3h46
